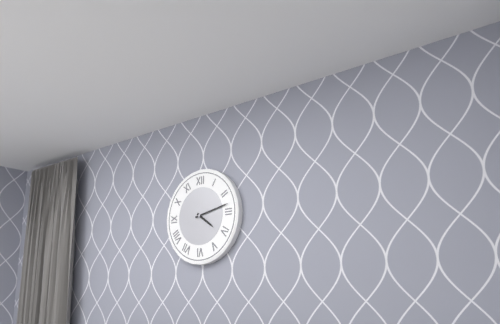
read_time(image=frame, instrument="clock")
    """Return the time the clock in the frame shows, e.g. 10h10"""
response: 4h13
